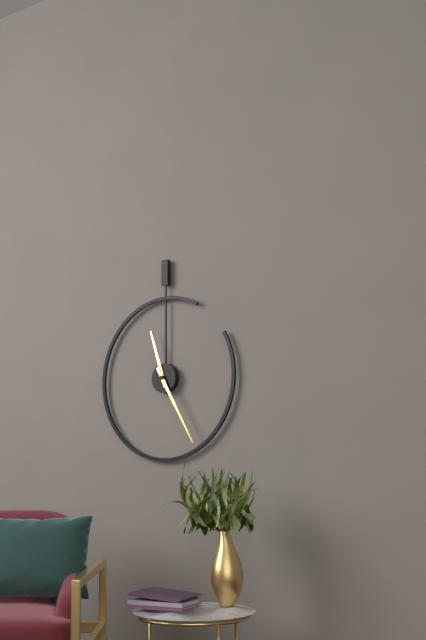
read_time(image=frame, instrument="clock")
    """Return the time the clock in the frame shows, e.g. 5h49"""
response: 11h25
